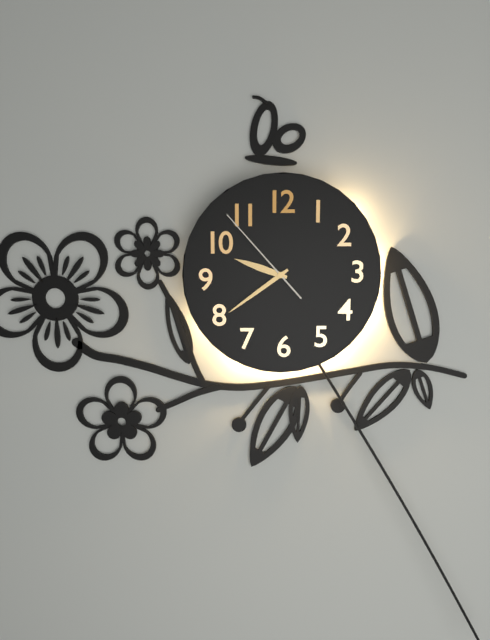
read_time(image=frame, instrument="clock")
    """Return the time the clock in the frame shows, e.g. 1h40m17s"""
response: 9h39m53s
